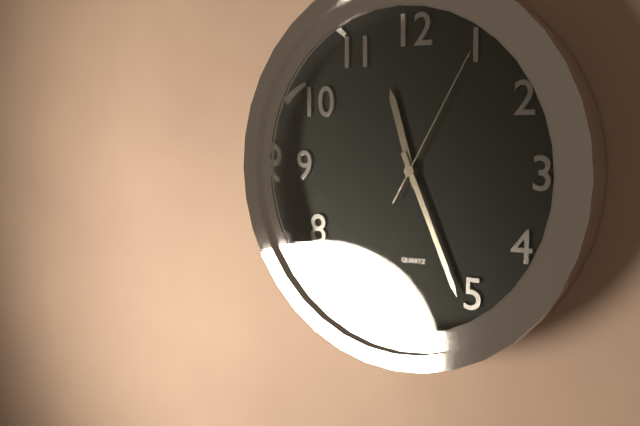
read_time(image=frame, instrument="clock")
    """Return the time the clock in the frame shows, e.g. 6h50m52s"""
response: 11h26m05s
